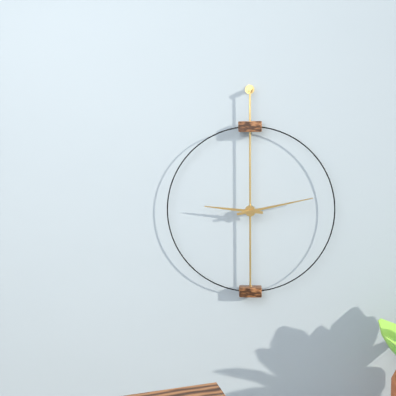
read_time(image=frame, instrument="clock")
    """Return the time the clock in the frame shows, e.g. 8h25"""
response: 9h13
